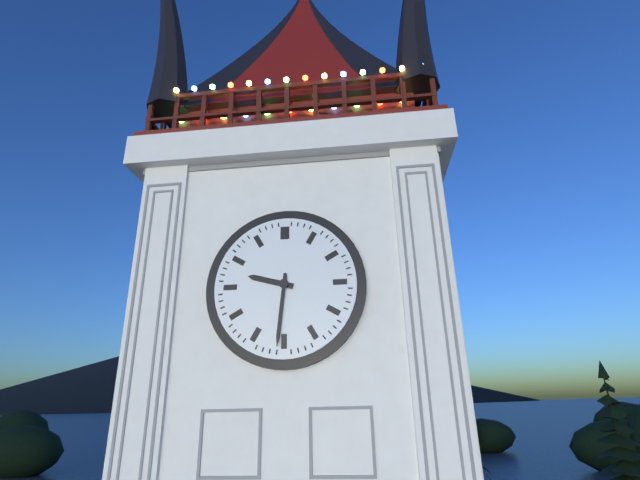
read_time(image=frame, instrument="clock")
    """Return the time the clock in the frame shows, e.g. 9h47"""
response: 9h31
